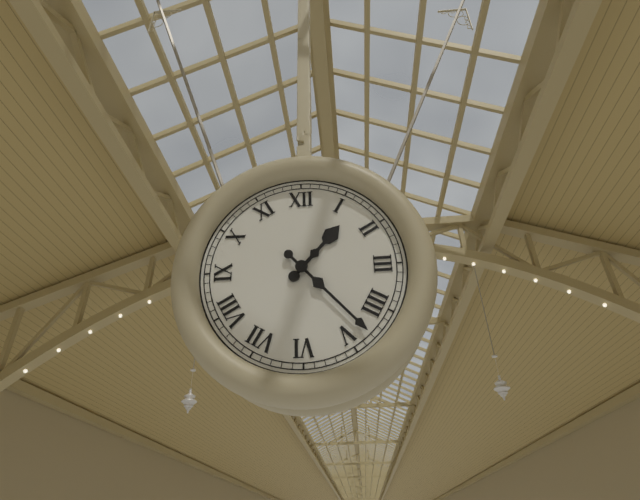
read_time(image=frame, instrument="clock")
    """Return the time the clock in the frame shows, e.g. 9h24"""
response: 1h23
